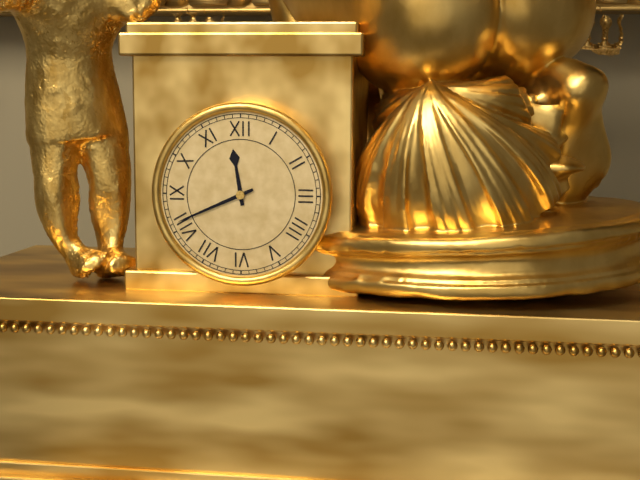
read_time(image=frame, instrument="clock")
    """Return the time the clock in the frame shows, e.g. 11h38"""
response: 11h41
